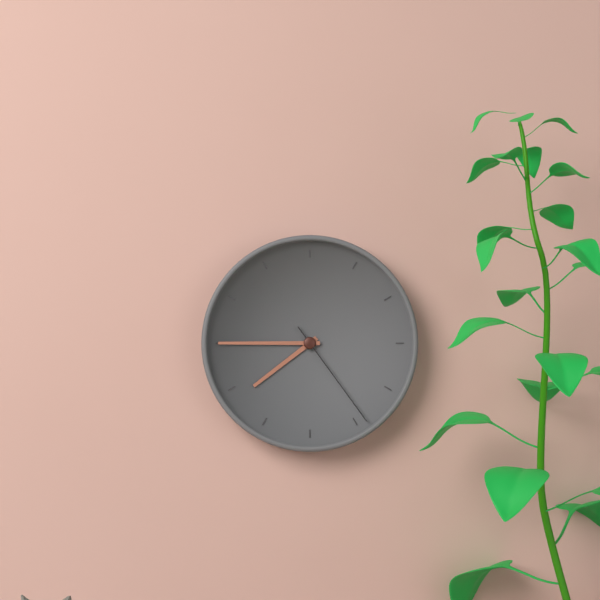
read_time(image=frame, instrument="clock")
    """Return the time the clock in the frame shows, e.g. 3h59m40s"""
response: 7h45m24s
